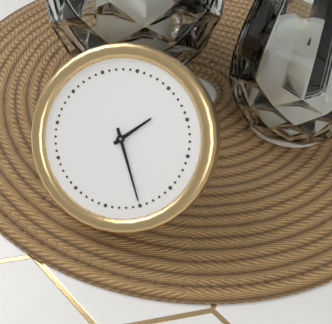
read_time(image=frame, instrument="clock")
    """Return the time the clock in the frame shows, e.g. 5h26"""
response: 1h25
